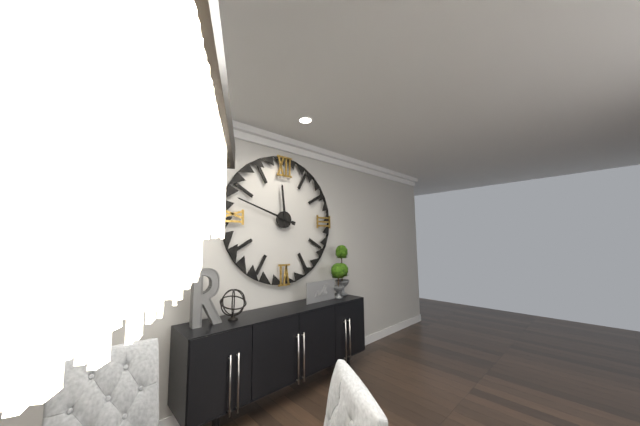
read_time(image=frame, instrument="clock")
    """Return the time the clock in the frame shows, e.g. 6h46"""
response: 11h48
